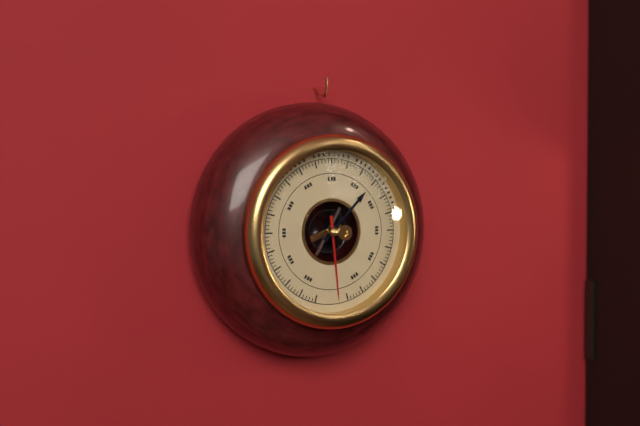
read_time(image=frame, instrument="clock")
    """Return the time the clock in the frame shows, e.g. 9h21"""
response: 1h29
